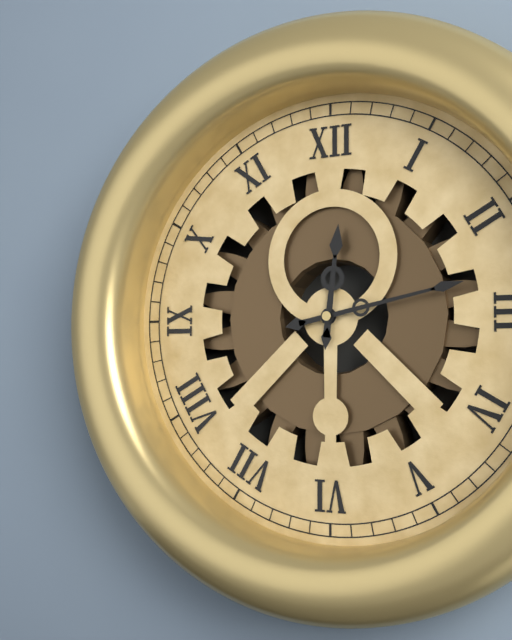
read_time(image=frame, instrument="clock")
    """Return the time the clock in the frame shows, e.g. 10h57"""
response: 12h13
